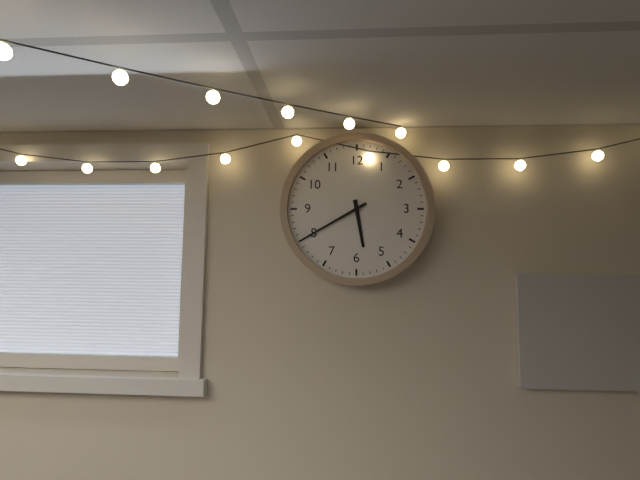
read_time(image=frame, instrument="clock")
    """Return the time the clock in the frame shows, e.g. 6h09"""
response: 5h40
